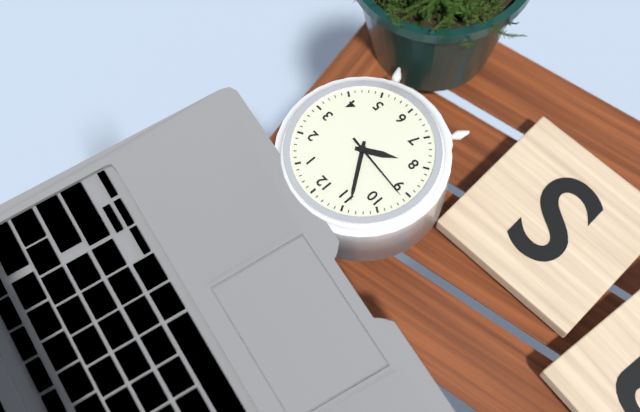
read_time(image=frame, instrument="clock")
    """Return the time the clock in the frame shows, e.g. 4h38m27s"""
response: 7h54m46s
